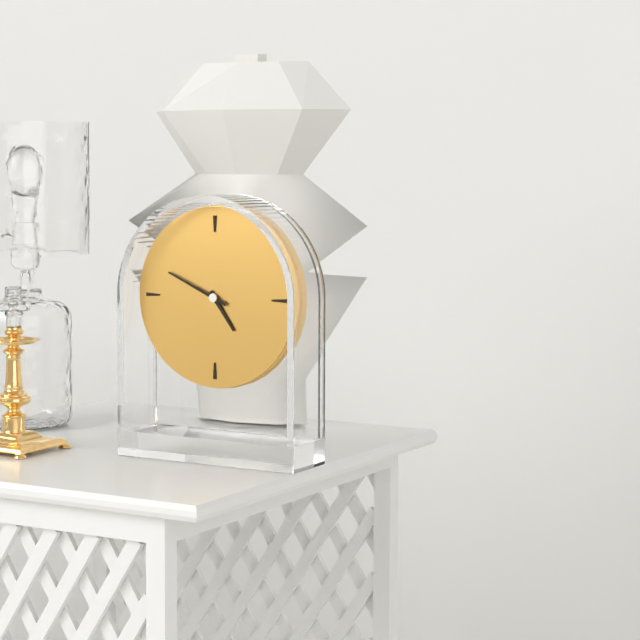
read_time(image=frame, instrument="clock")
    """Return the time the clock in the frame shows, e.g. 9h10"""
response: 4h49
